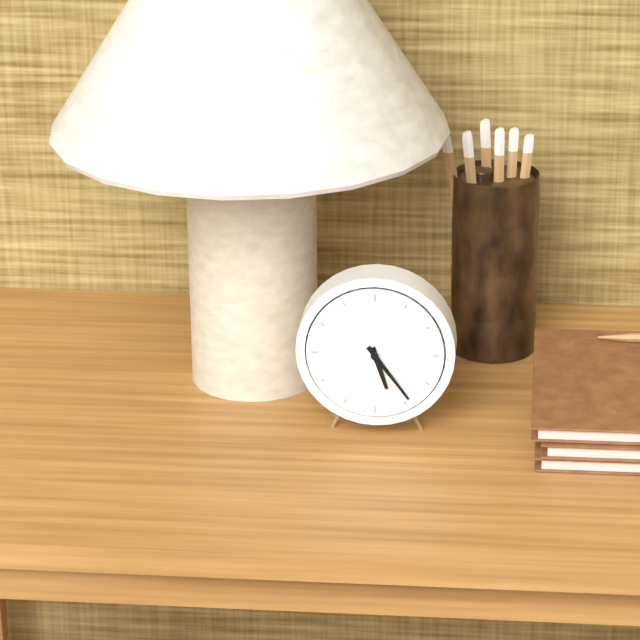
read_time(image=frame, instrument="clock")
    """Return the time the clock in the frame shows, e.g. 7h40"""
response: 5h24
